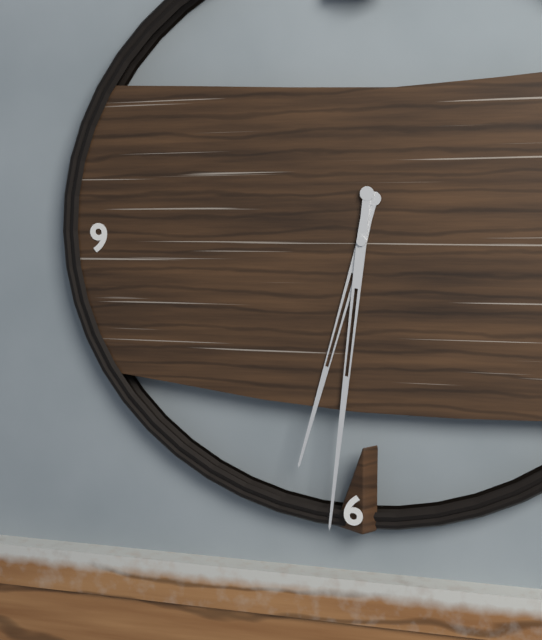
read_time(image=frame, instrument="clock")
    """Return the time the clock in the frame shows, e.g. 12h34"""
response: 6h31
